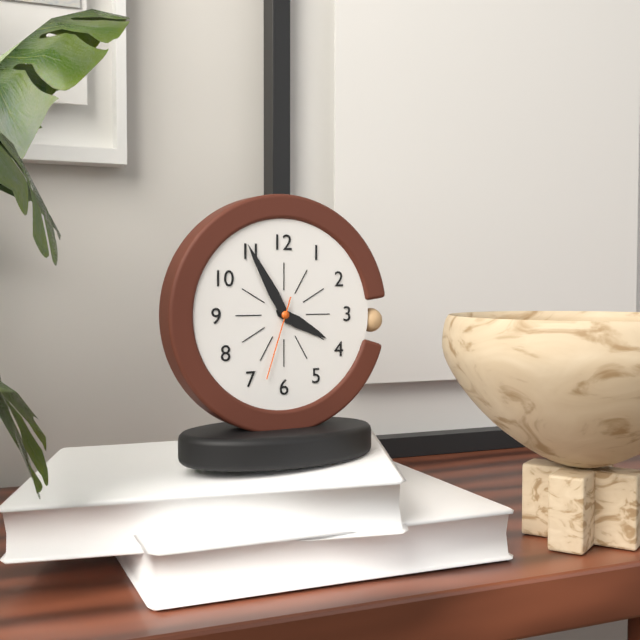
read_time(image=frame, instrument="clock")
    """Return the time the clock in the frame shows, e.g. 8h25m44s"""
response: 3h55m33s
